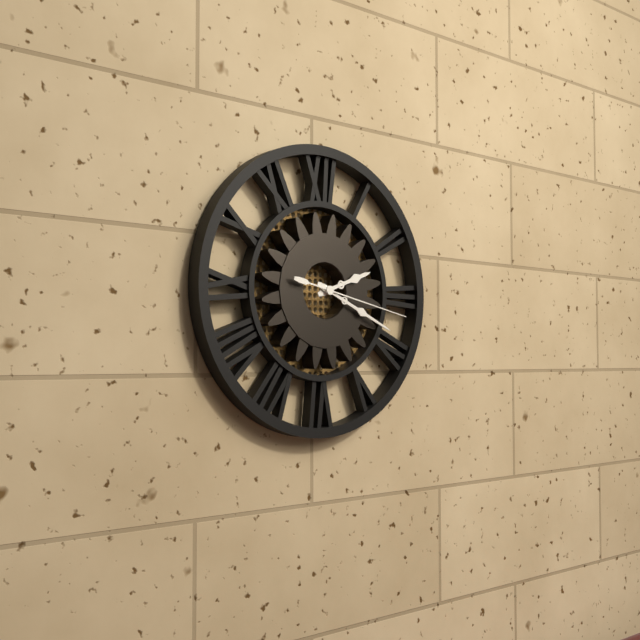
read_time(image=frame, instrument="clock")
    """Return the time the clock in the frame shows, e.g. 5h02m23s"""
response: 2h19m17s
